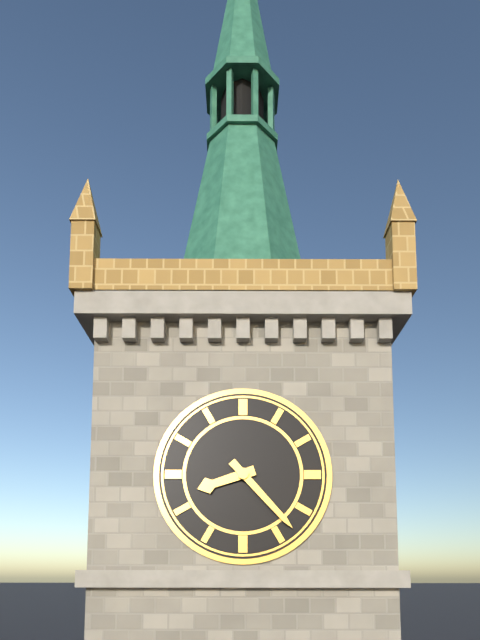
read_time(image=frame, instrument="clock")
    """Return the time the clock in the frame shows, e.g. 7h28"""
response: 8h23
